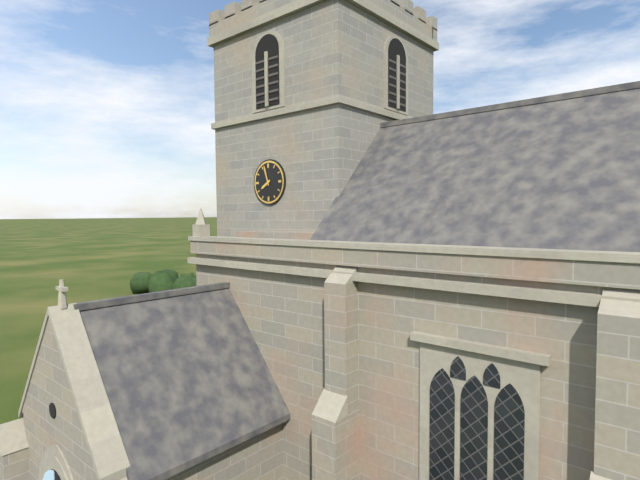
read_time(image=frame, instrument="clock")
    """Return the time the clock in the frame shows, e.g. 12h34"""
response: 7h57
